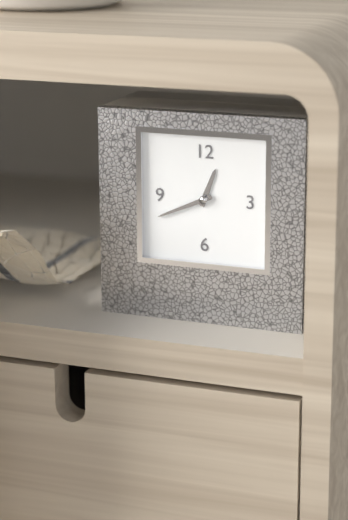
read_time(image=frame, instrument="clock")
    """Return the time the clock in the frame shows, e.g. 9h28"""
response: 12h41
